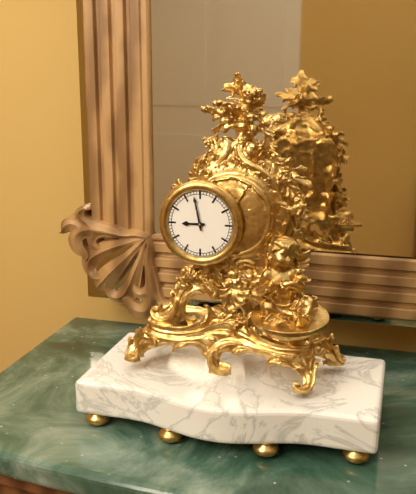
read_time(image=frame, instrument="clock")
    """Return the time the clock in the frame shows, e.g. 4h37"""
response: 8h58
